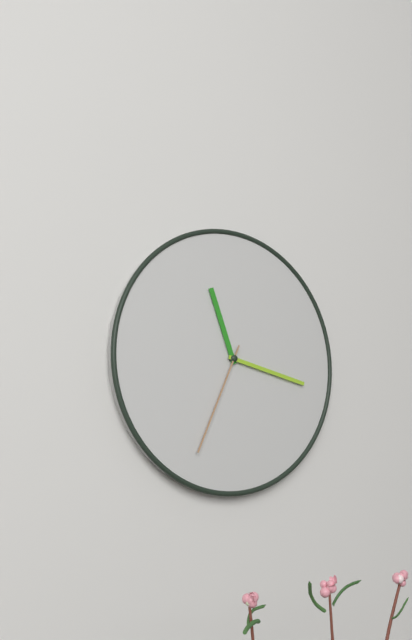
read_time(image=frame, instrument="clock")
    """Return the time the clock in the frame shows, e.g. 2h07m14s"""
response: 11h17m34s
